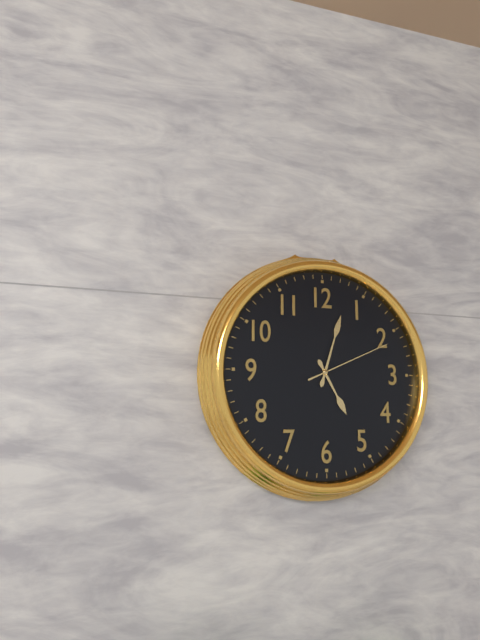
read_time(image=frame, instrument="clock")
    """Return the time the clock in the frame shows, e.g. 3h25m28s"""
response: 5h03m11s
